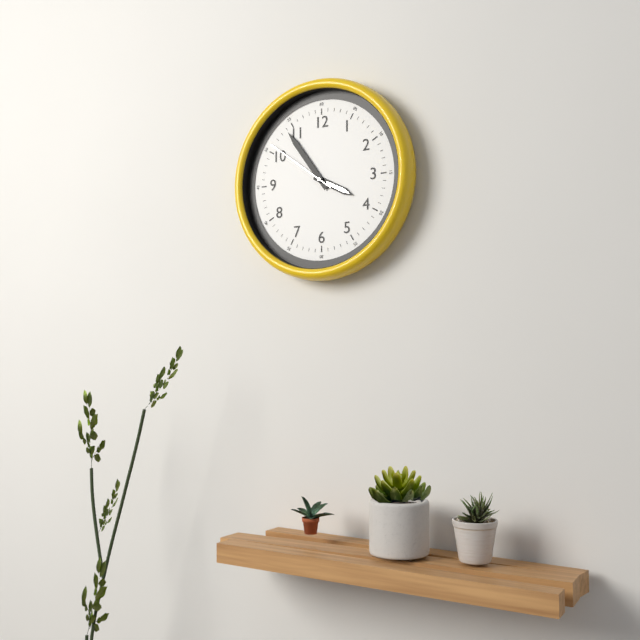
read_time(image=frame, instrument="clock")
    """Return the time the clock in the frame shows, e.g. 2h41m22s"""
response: 3h54m51s
